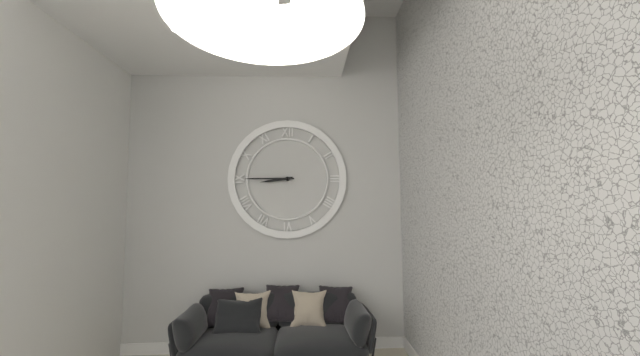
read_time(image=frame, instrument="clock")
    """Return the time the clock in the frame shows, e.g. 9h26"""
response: 8h45
